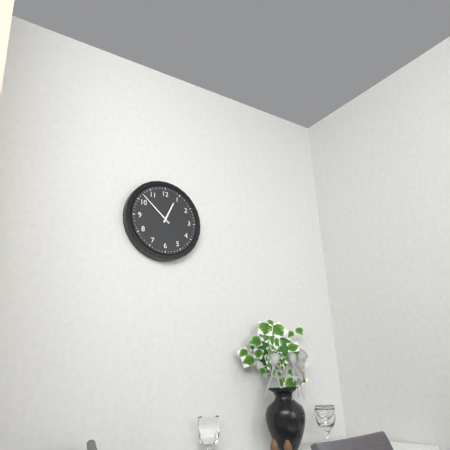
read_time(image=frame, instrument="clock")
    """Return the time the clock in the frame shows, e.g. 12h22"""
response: 12h52
